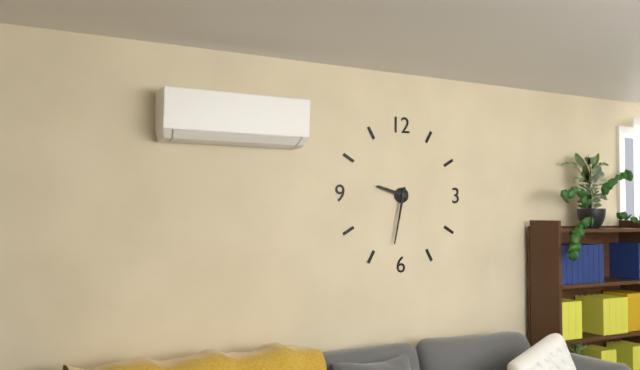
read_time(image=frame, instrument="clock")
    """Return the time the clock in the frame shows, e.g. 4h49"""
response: 9h32
